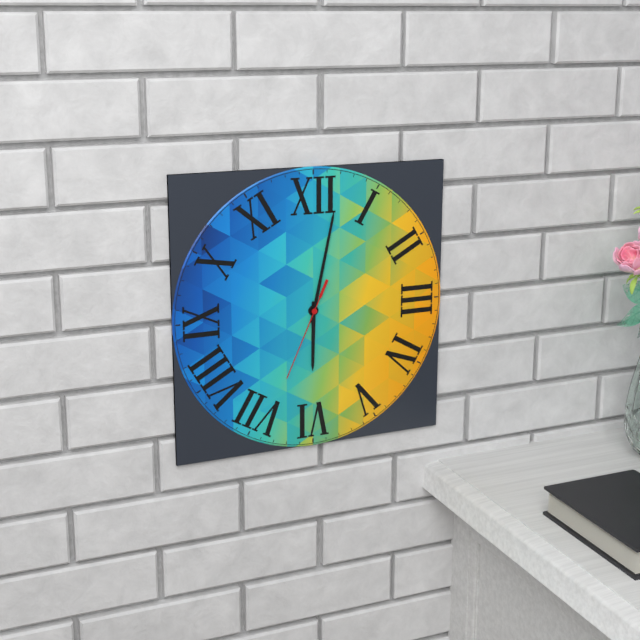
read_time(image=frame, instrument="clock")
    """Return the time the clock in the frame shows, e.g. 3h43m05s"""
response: 6h02m34s
